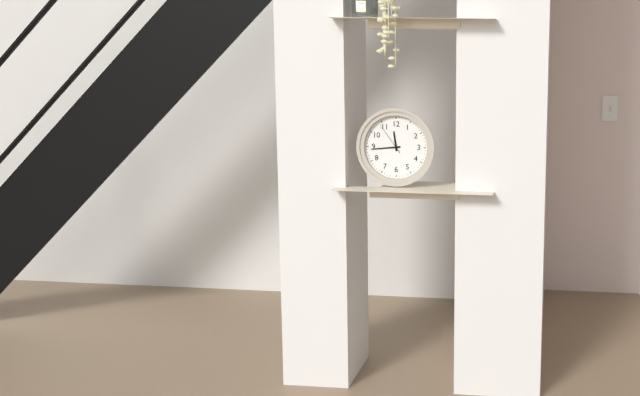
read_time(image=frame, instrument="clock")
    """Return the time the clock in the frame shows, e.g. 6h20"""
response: 11h44
